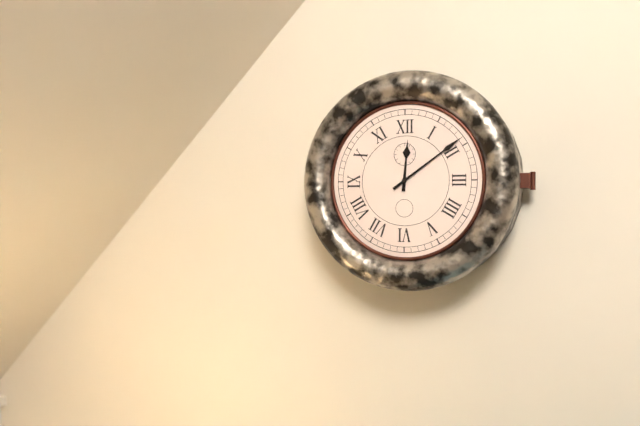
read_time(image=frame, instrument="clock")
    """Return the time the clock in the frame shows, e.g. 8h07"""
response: 12h09
